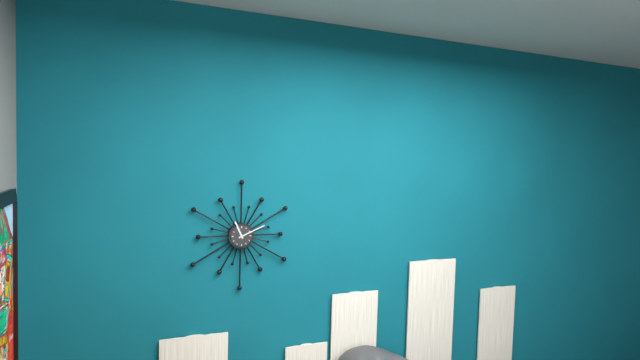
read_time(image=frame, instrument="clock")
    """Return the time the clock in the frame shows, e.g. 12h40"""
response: 11h11
